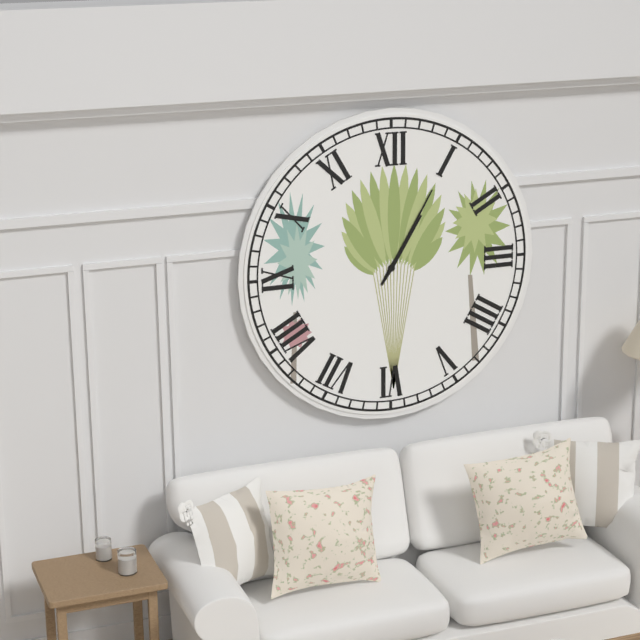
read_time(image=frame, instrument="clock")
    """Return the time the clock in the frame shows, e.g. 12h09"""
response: 1h05
